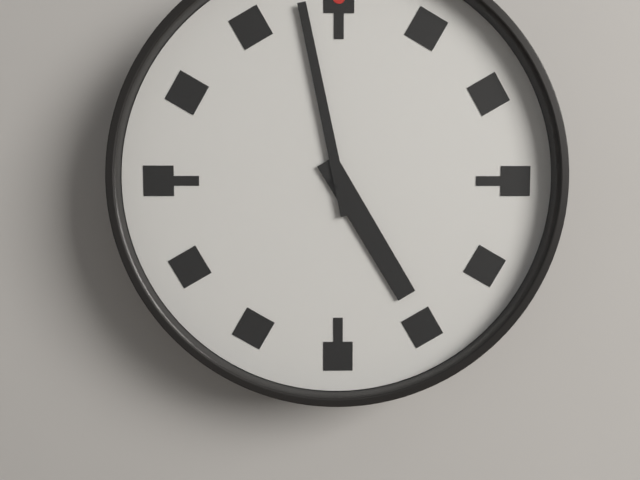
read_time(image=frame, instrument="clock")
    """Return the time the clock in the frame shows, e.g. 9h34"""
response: 4h58
